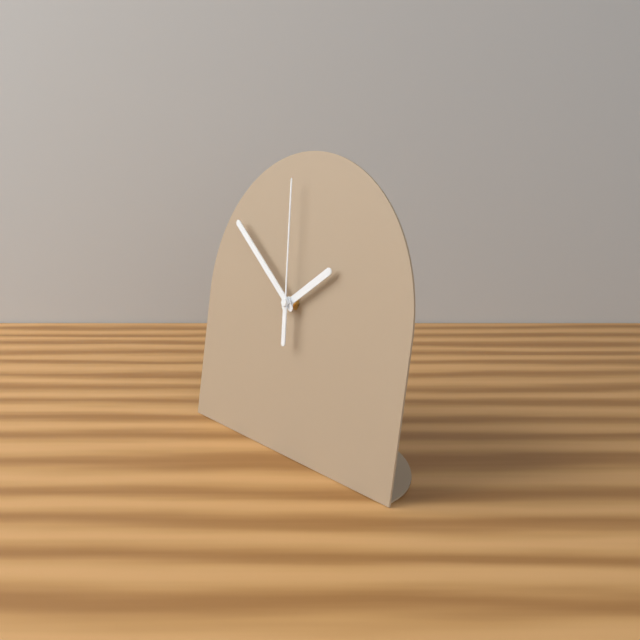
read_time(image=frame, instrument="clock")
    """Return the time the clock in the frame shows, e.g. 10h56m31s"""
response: 1h51m59s
